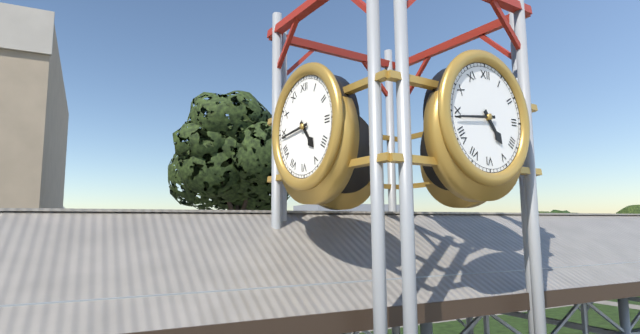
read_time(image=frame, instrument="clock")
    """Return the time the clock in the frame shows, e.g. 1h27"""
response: 4h44
